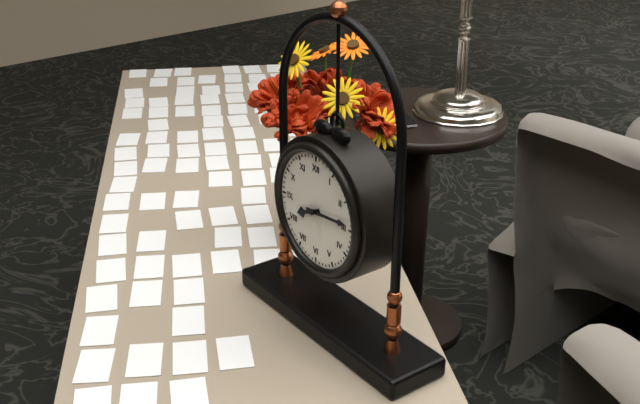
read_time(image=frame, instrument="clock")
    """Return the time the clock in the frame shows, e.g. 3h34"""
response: 8h14
